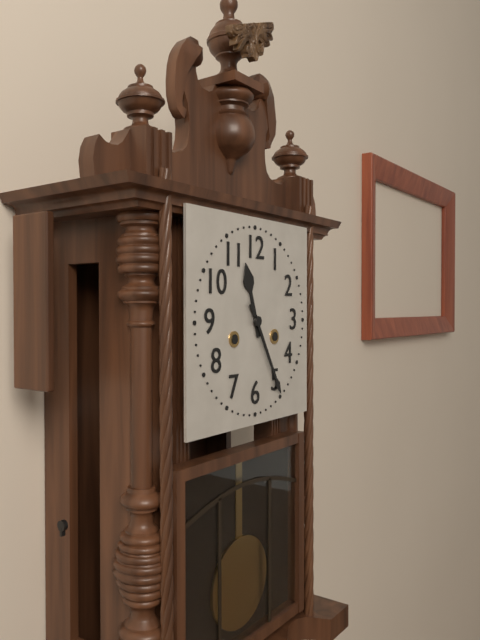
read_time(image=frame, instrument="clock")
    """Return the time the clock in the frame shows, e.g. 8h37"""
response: 11h25
